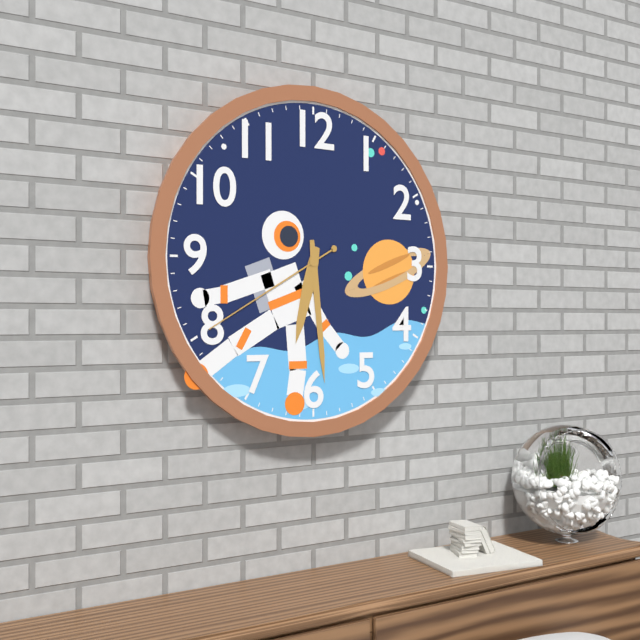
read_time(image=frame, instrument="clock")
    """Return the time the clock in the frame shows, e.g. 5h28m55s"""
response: 6h29m40s
